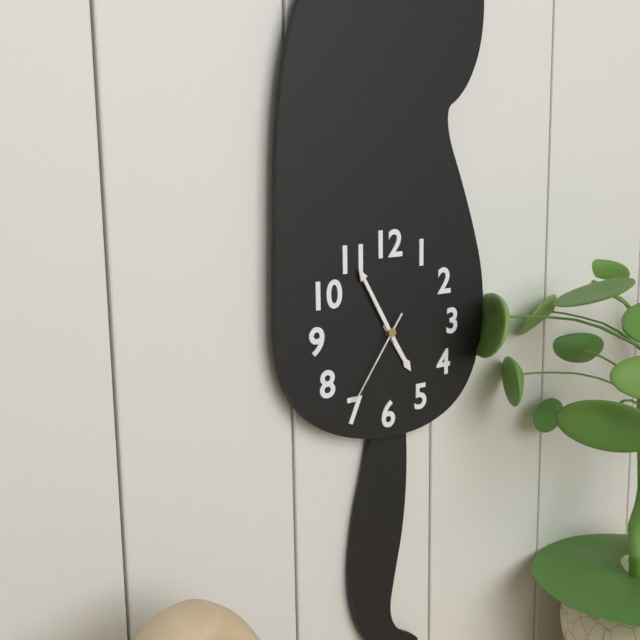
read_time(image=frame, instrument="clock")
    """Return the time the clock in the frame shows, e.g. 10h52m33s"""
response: 4h55m36s
